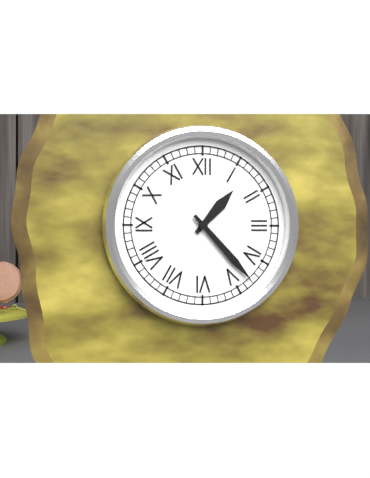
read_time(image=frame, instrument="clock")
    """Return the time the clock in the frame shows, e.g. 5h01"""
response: 1h23
